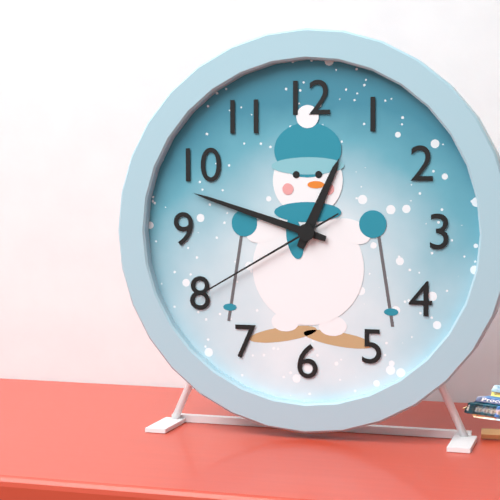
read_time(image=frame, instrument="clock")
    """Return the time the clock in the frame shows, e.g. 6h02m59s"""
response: 12h48m40s
